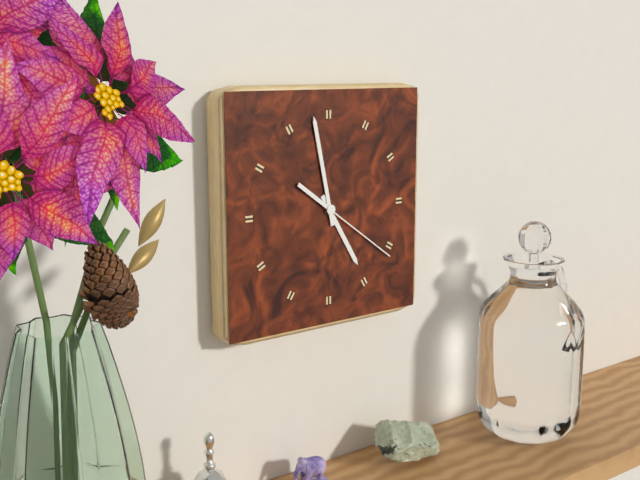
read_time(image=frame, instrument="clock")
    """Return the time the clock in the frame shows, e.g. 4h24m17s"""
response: 4h58m21s
